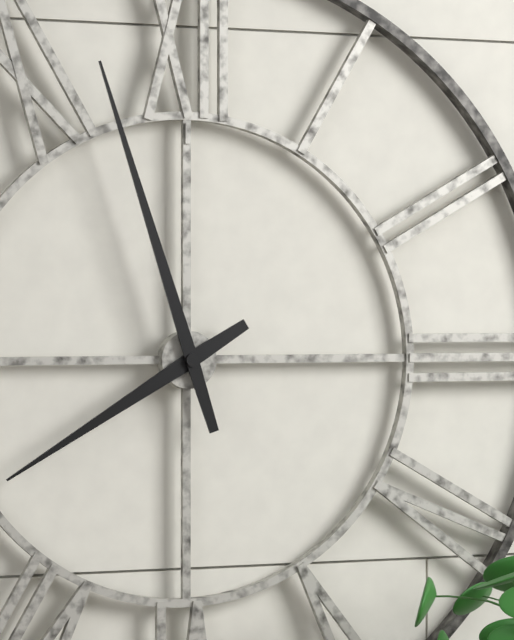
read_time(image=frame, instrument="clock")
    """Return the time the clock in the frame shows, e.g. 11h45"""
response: 7h57
